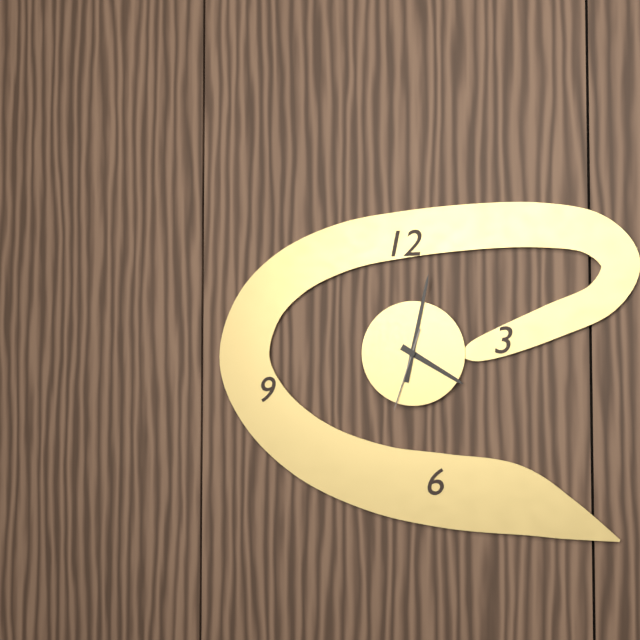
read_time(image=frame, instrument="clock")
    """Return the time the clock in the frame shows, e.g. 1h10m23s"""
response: 4h02m33s
